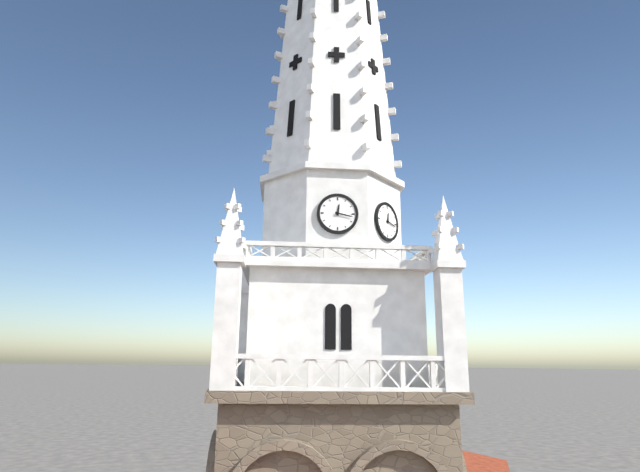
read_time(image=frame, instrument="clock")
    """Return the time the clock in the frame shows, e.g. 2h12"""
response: 12h17
